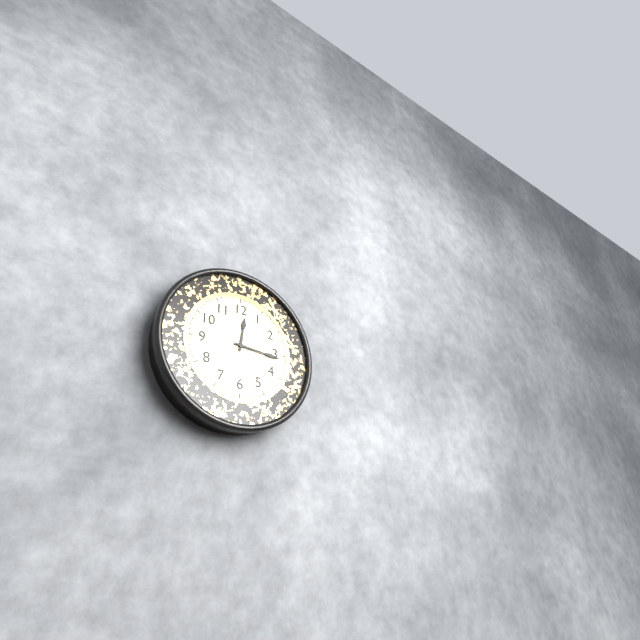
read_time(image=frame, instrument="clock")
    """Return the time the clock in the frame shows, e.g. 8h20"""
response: 12h16
